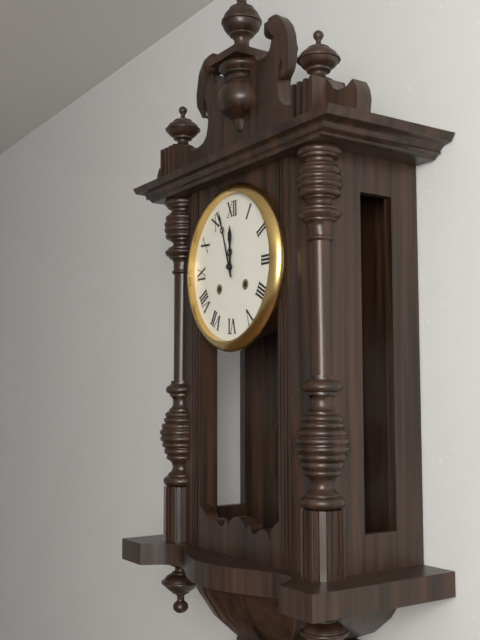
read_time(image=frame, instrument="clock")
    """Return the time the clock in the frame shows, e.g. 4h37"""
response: 11h57
